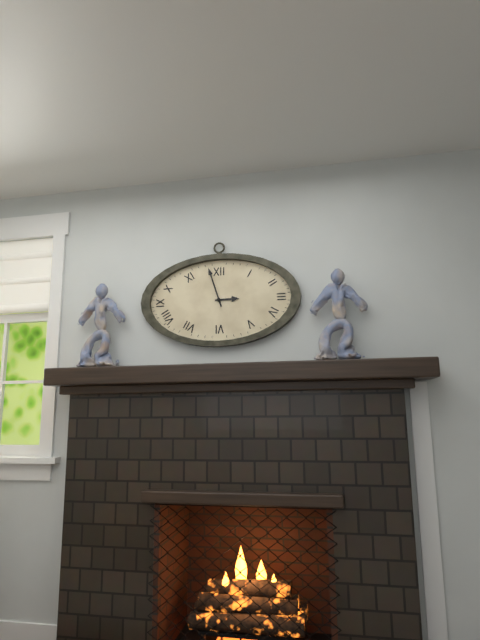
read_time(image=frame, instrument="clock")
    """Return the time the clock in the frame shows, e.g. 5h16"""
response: 2h57
